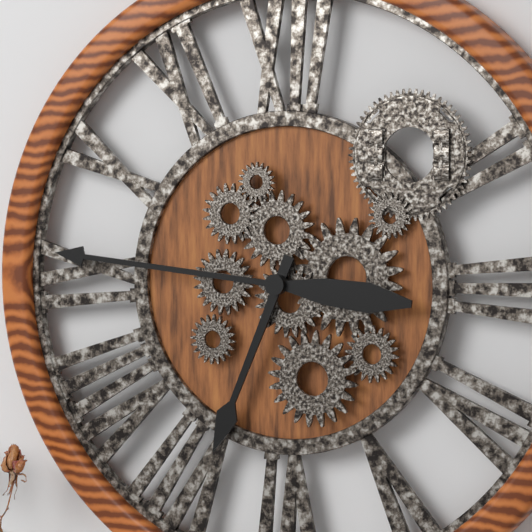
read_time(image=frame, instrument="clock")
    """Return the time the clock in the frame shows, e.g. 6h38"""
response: 6h46
